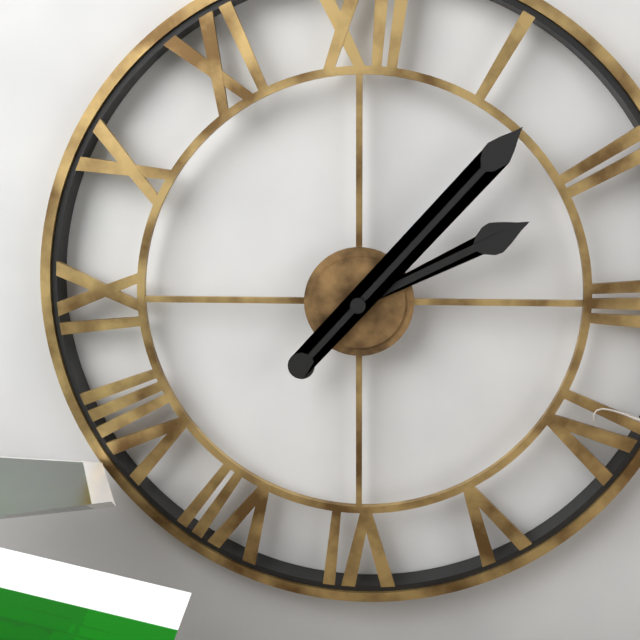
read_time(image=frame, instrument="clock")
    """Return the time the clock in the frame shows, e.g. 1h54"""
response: 2h07
